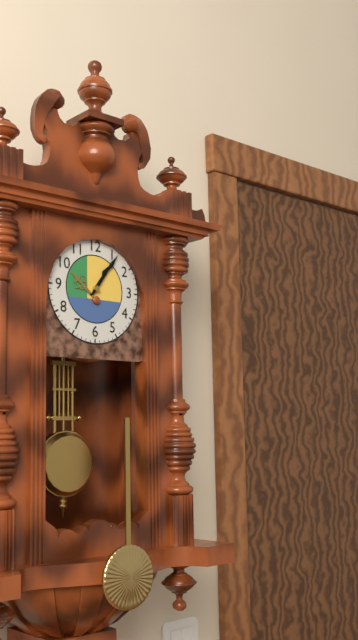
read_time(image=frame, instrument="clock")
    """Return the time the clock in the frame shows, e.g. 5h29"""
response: 1h06
